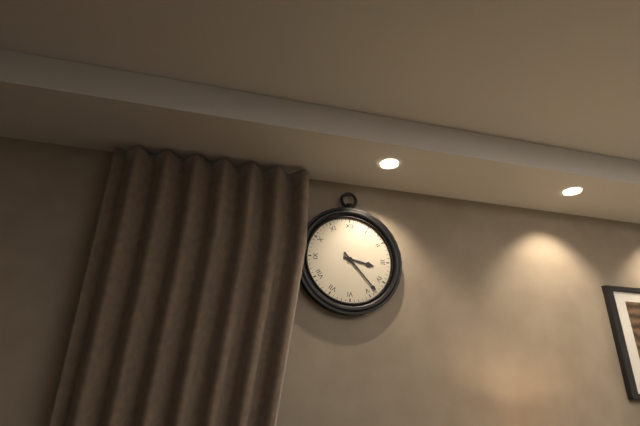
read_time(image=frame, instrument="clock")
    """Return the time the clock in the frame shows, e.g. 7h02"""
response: 3h23
